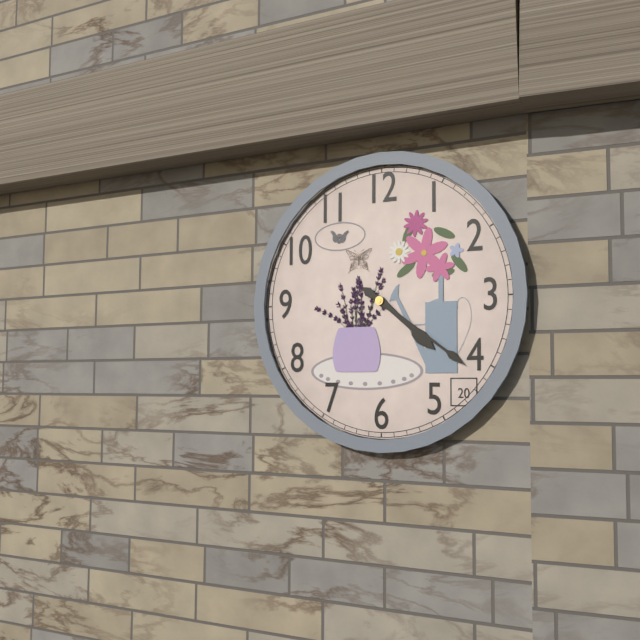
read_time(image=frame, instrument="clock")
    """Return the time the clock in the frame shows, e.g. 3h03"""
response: 4h21
